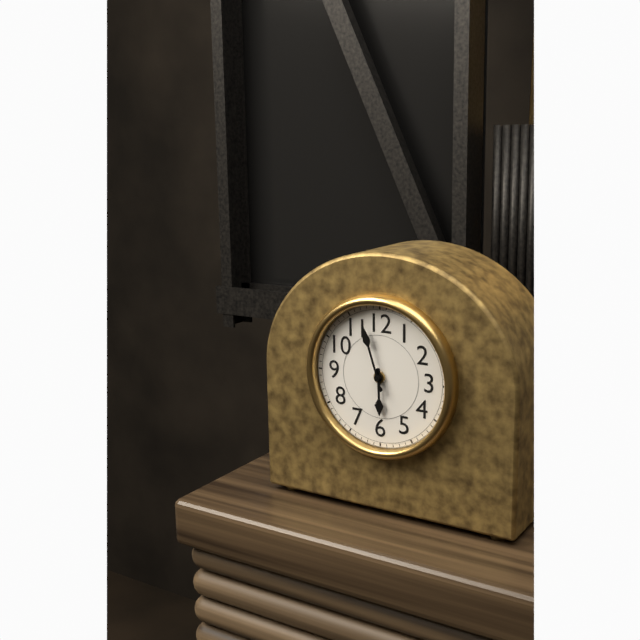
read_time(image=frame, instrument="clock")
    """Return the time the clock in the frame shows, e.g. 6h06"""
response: 5h57
